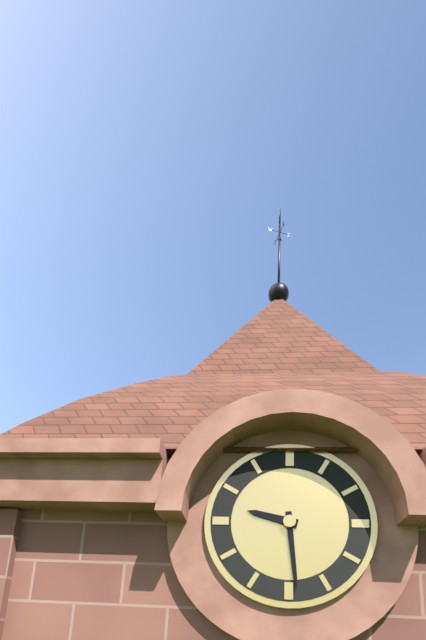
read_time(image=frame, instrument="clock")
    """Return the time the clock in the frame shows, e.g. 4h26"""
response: 9h29
